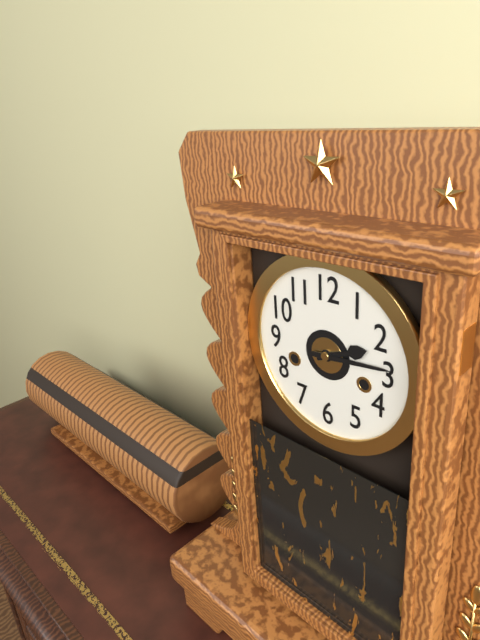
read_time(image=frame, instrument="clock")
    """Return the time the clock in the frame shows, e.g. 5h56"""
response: 2h14
